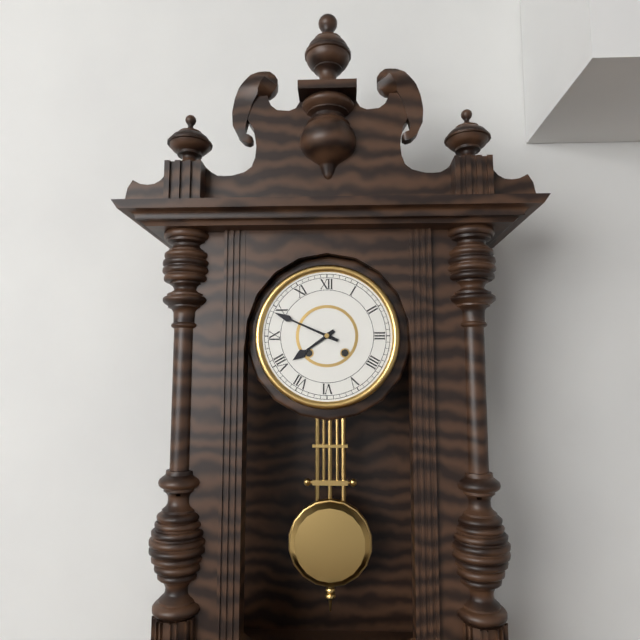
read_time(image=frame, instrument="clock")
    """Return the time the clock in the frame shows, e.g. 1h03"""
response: 7h49
